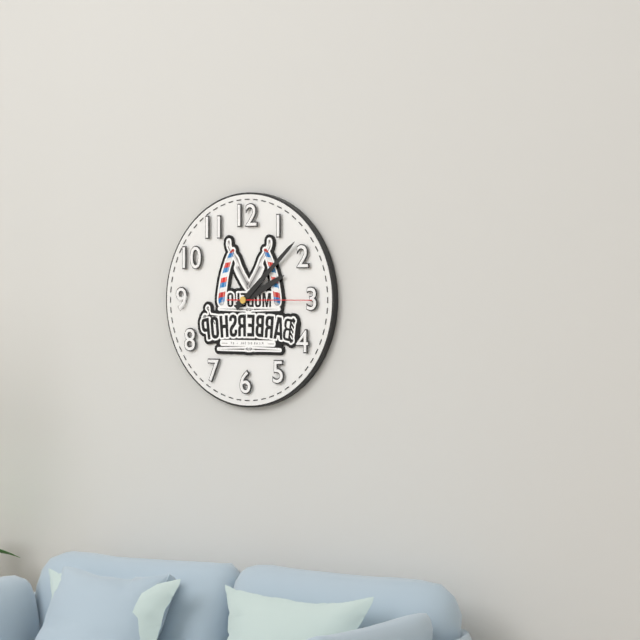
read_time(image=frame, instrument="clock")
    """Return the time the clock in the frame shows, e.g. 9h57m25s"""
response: 2h08m15s
